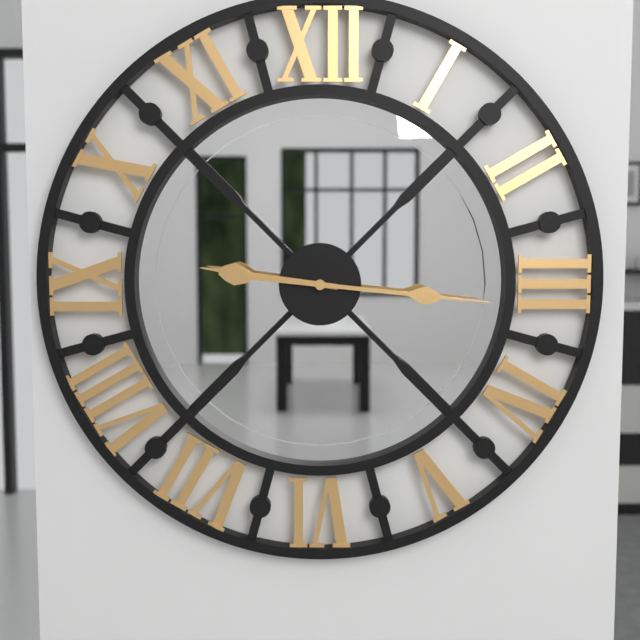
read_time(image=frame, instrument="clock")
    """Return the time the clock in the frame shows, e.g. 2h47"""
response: 9h16
